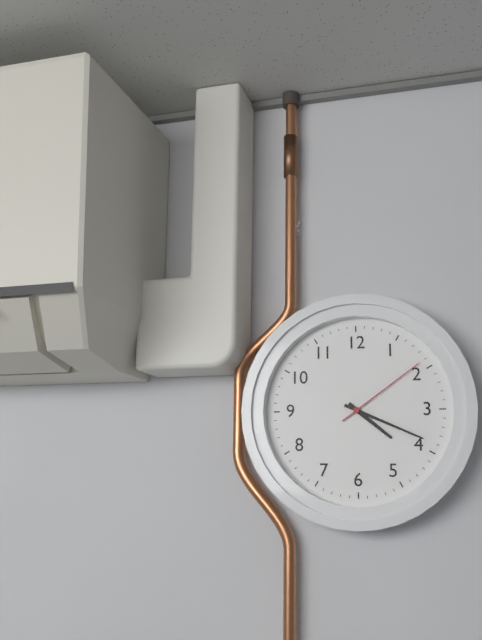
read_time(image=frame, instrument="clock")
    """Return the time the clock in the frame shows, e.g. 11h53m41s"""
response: 4h19m09s
